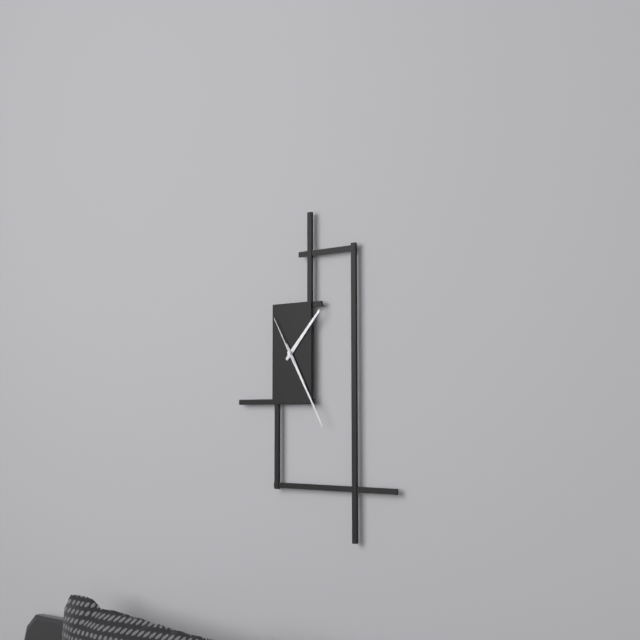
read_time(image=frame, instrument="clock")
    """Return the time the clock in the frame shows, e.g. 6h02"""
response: 1h25
